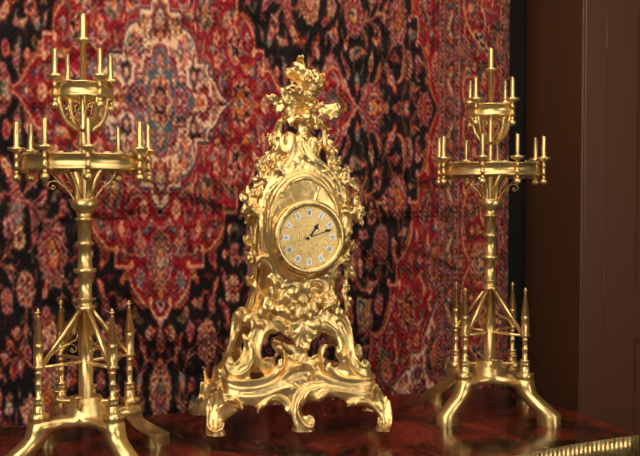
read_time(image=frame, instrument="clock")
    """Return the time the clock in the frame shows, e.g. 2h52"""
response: 1h12
